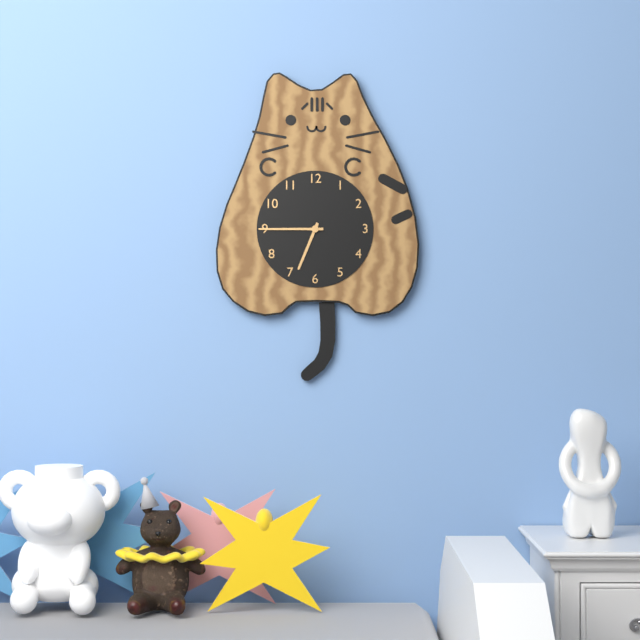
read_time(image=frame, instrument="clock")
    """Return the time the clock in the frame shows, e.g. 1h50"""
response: 6h45
